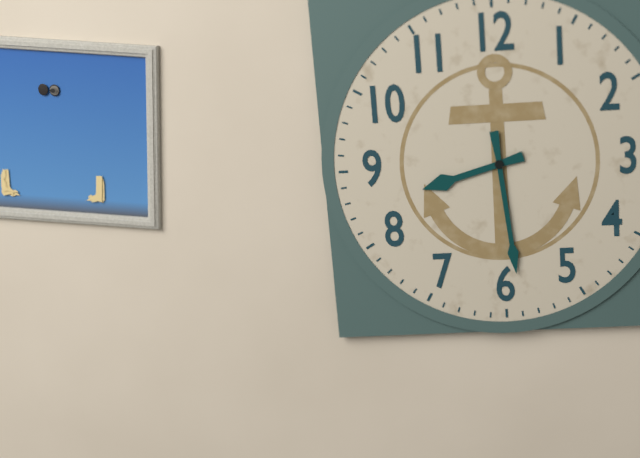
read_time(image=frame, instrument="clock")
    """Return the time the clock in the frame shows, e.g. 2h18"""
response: 8h29
